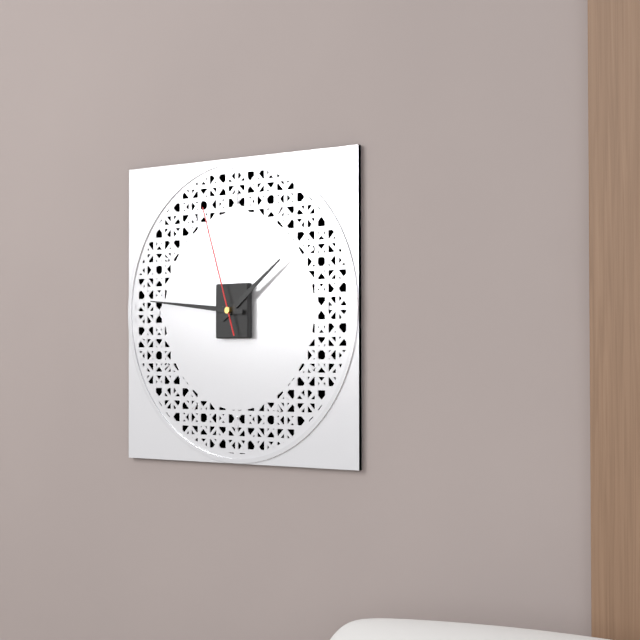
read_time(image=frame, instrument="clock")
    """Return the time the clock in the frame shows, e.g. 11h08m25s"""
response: 1h46m57s
